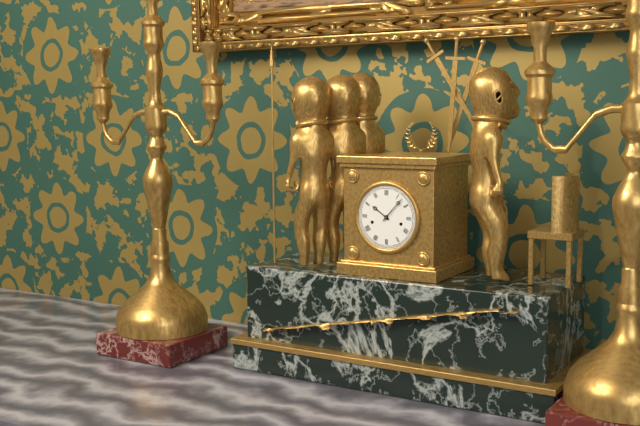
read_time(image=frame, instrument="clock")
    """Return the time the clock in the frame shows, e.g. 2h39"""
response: 10h07
